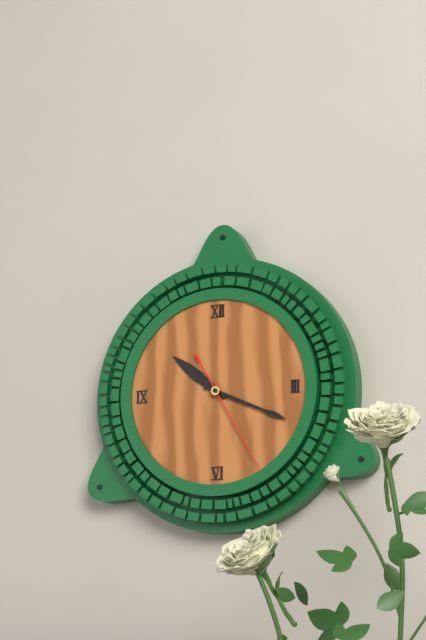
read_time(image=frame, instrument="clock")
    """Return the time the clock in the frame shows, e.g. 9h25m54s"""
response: 10h19m25s
